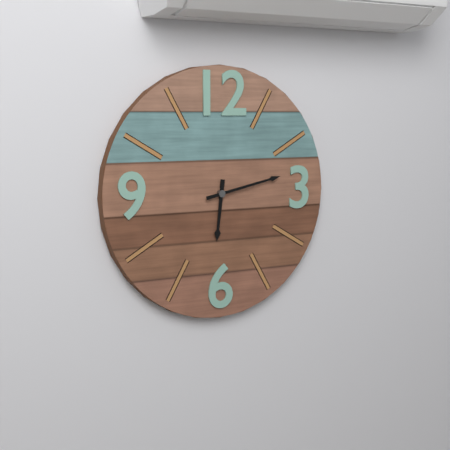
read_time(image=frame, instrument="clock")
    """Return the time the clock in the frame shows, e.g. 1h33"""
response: 6h13
